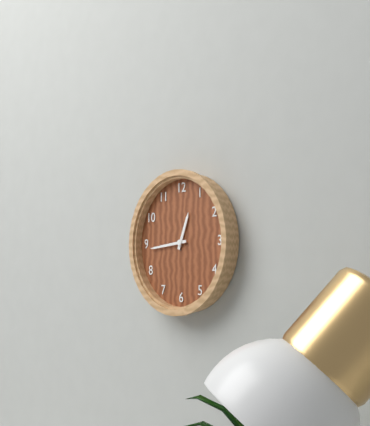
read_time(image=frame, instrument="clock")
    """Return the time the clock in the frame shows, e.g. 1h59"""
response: 12h44
